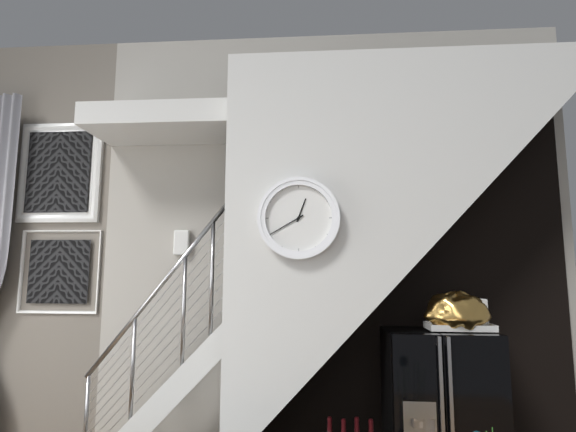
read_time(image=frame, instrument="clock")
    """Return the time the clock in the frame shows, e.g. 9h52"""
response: 12h40
